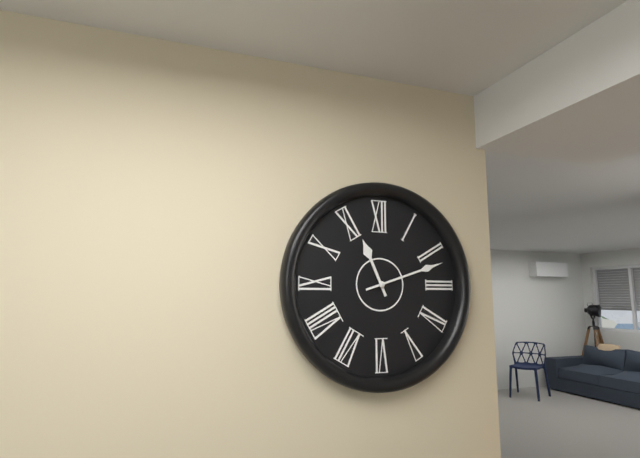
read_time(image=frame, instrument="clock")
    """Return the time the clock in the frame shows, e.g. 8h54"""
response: 11h12
